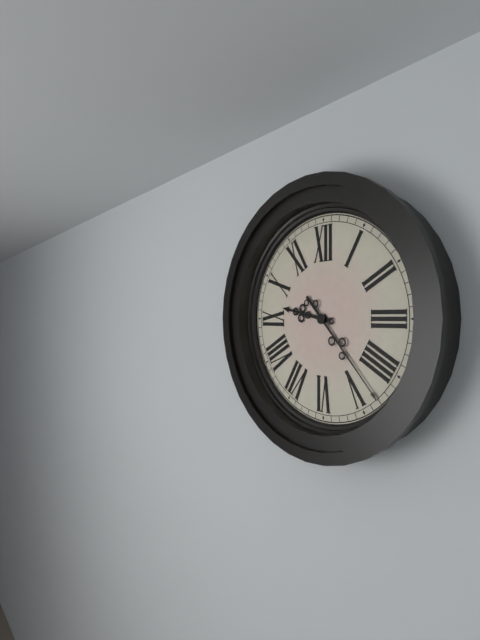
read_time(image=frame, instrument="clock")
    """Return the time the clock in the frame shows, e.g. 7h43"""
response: 9h23
